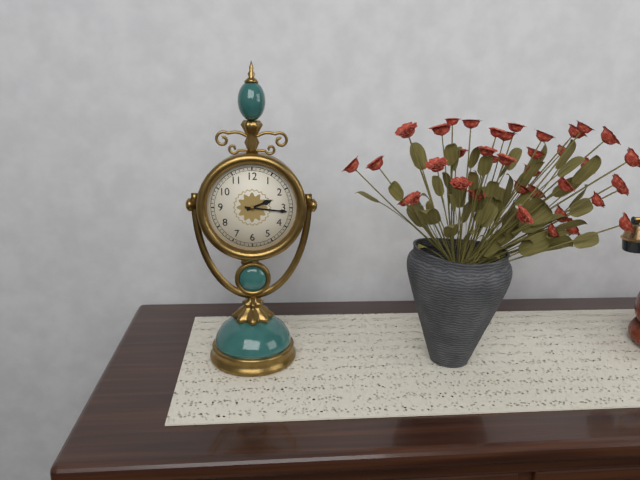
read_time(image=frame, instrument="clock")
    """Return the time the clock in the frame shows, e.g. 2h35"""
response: 2h16
